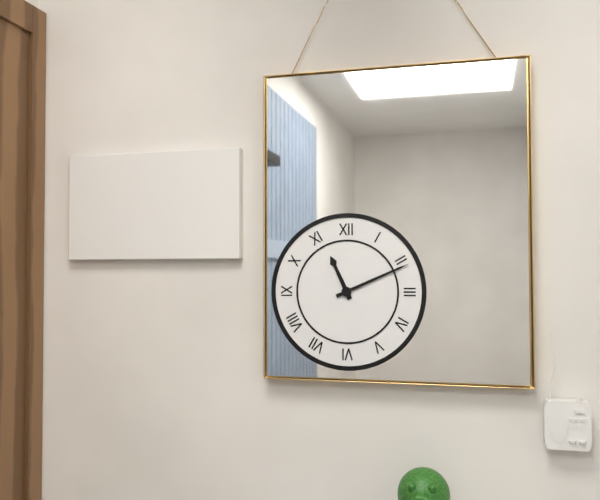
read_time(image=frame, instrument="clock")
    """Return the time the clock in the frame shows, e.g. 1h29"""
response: 11h11
